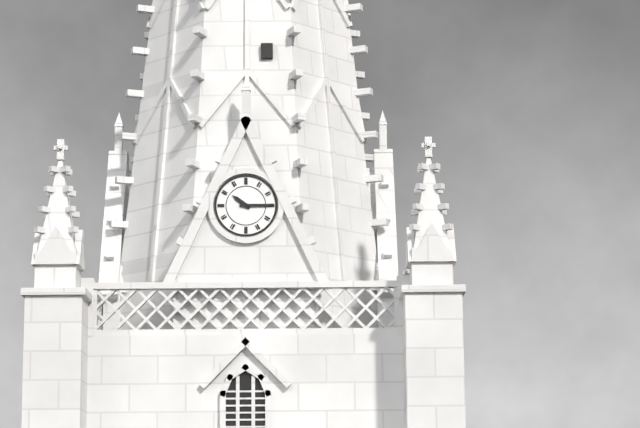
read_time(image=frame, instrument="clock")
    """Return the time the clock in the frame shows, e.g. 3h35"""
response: 10h15
